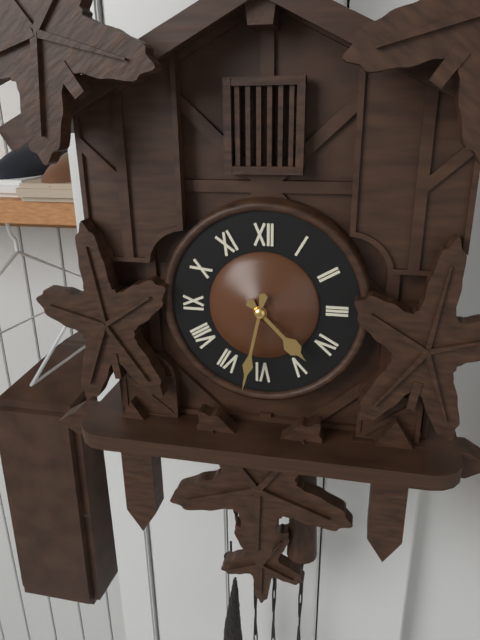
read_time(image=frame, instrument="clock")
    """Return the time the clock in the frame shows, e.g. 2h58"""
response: 4h32
